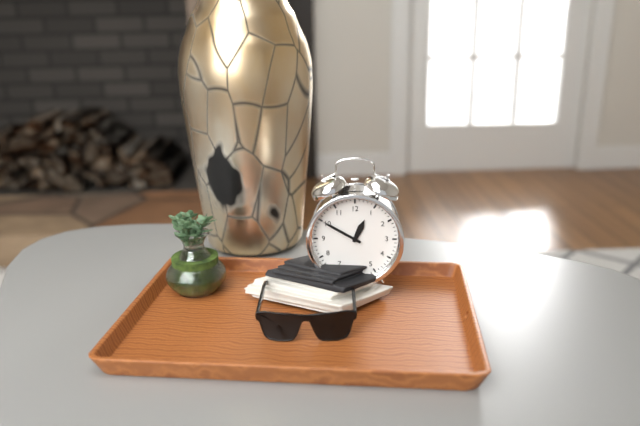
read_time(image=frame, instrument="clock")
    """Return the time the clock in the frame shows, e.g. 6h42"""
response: 12h50
